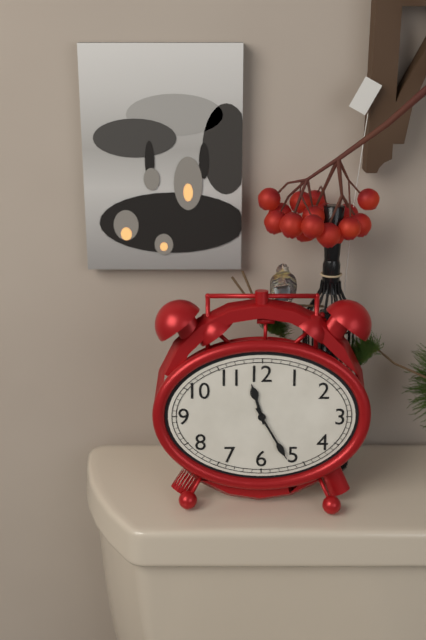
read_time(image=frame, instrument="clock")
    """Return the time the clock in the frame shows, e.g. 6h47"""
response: 11h25
